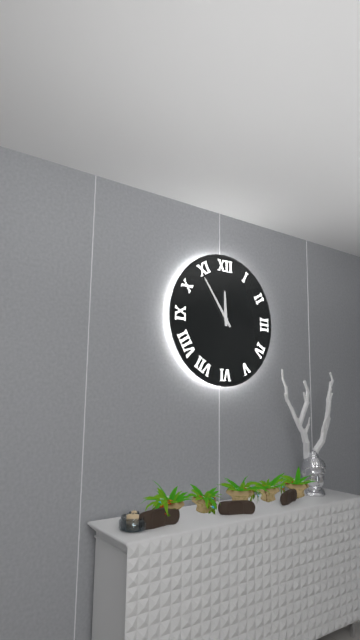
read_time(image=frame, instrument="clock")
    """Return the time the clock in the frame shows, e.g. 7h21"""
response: 11h54
